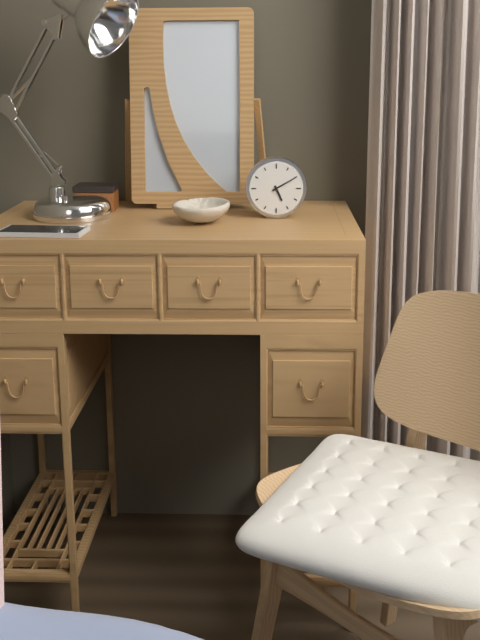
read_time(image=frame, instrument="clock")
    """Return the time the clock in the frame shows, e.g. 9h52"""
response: 5h10
